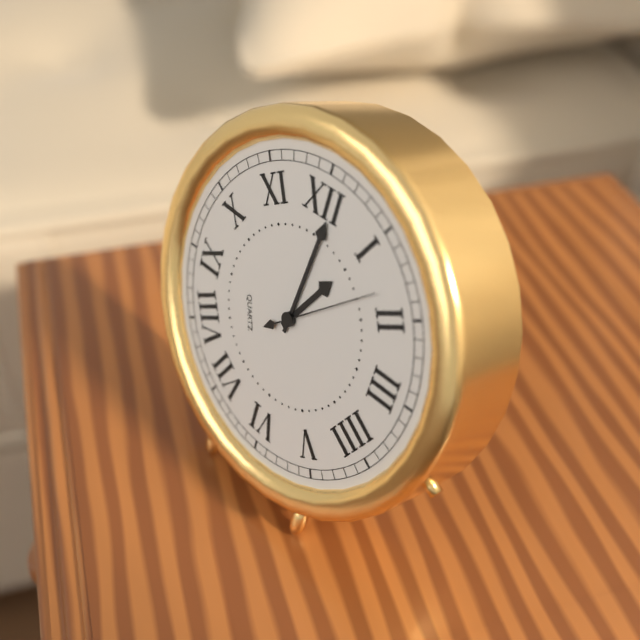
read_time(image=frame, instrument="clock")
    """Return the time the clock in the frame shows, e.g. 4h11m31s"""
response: 1h01m08s
